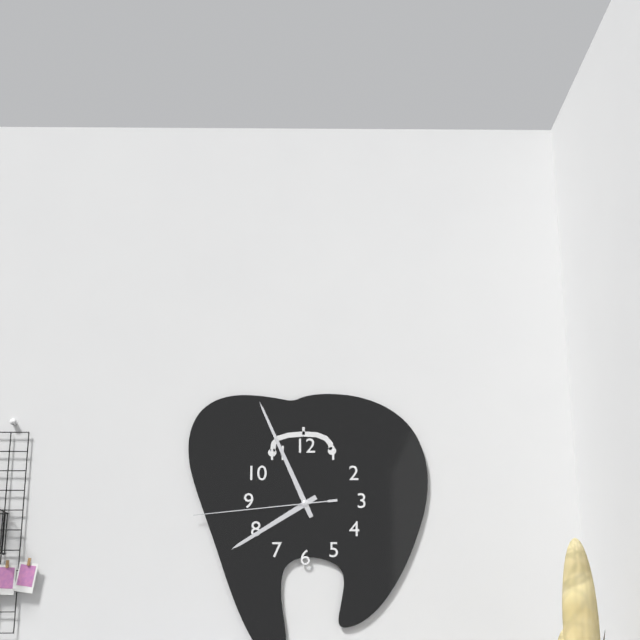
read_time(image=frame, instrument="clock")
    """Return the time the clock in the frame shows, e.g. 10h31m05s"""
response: 7h56m44s
